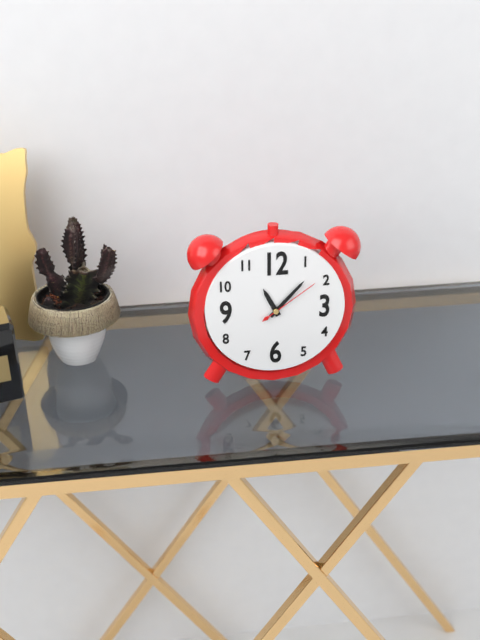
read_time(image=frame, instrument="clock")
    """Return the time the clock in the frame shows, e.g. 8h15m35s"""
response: 11h07m09s
